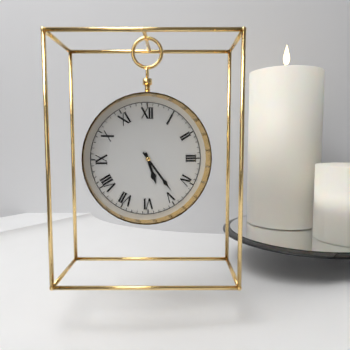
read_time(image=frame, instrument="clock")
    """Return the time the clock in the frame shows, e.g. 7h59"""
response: 5h24
